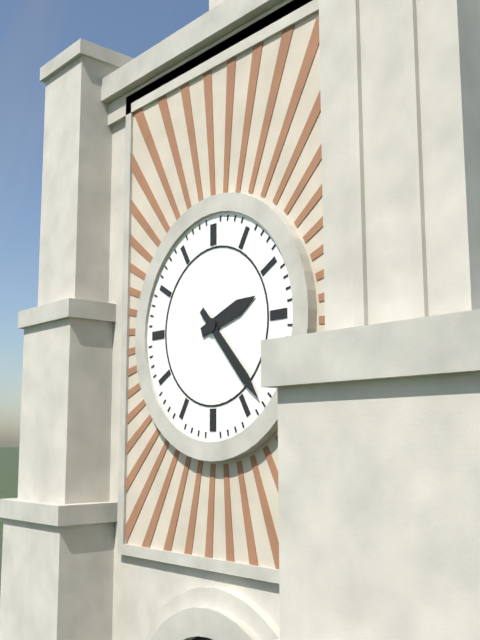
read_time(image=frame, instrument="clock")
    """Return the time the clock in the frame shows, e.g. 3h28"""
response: 2h23
